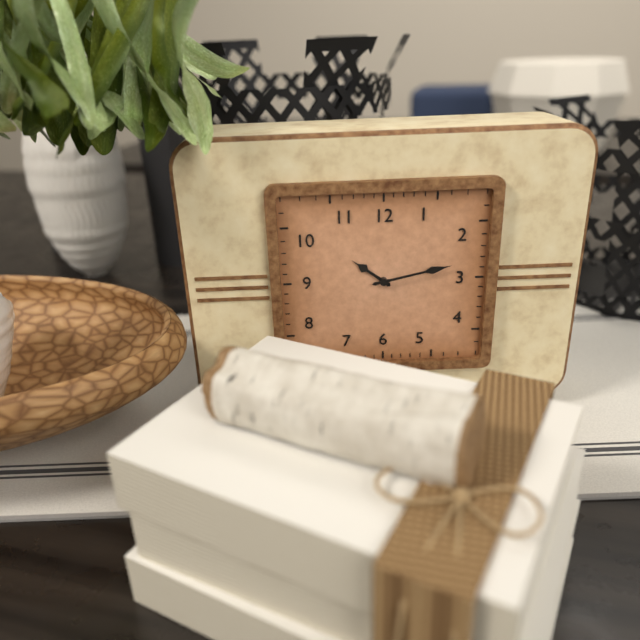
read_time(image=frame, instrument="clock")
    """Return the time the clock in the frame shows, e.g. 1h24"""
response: 10h13
